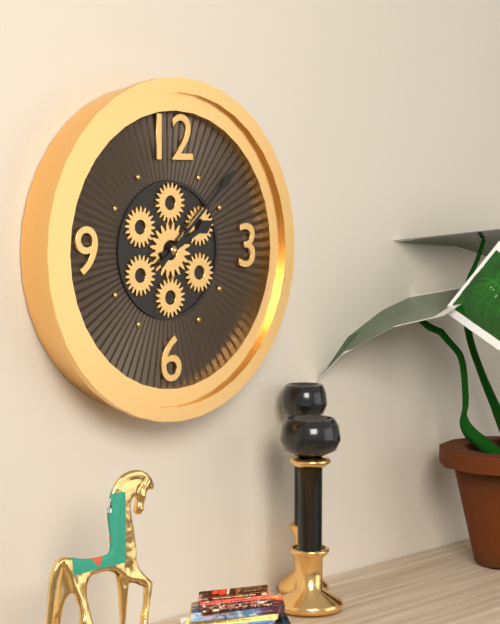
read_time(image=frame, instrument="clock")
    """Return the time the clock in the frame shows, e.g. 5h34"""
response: 2h08
